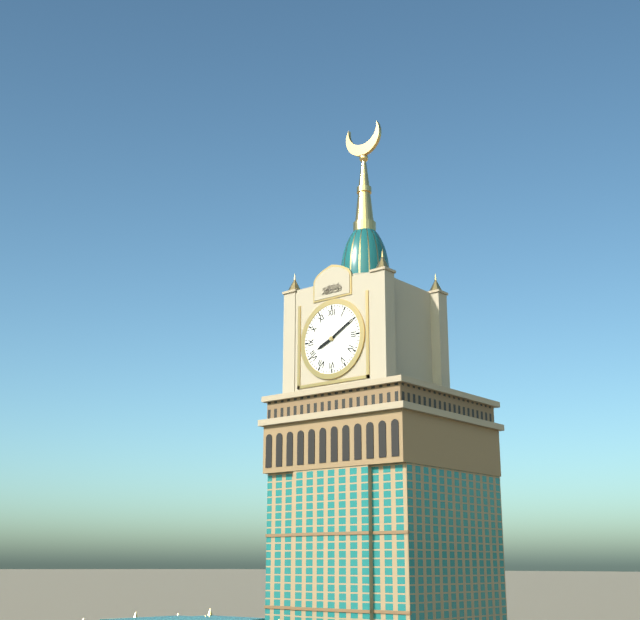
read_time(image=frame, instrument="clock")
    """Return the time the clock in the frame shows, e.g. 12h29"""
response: 8h10
